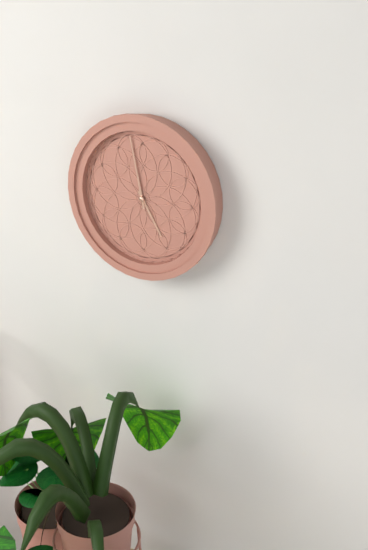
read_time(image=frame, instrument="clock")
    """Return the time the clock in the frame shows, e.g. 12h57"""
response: 4h58
